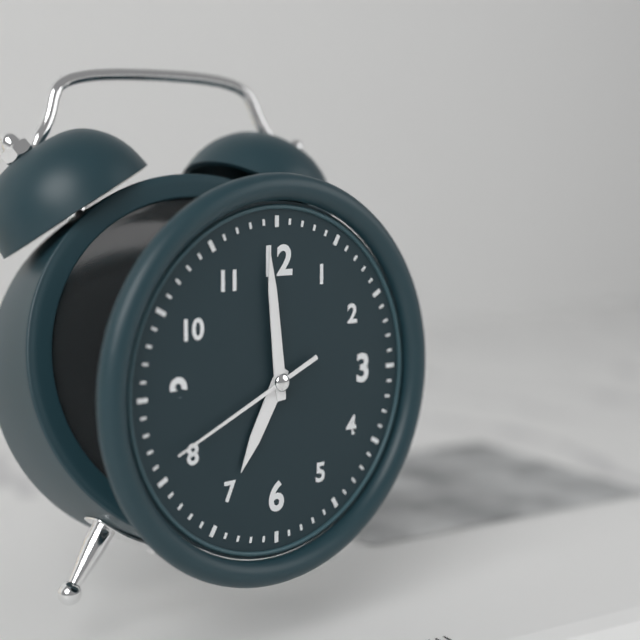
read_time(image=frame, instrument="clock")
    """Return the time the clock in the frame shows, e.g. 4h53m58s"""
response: 6h59m41s
